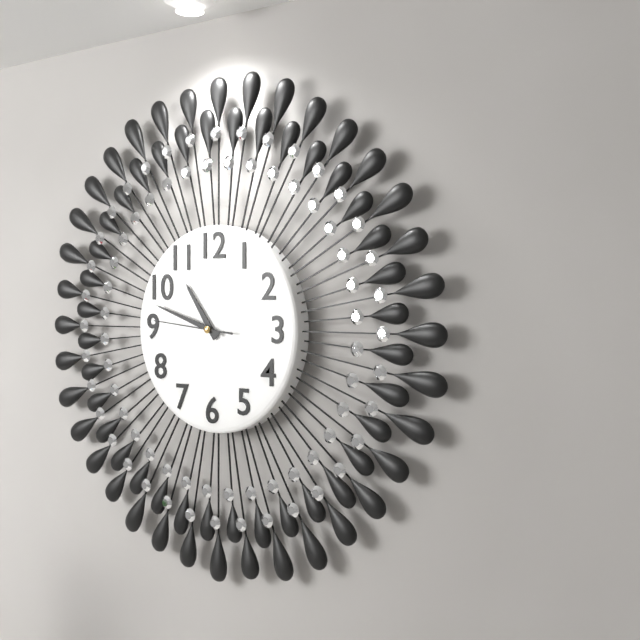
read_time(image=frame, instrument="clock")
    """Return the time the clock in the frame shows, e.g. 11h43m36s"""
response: 10h48m46s
